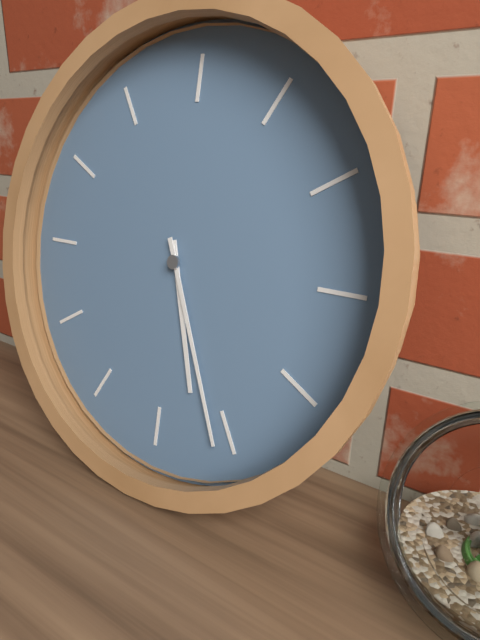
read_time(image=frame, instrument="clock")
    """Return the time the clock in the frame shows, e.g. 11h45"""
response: 5h26
